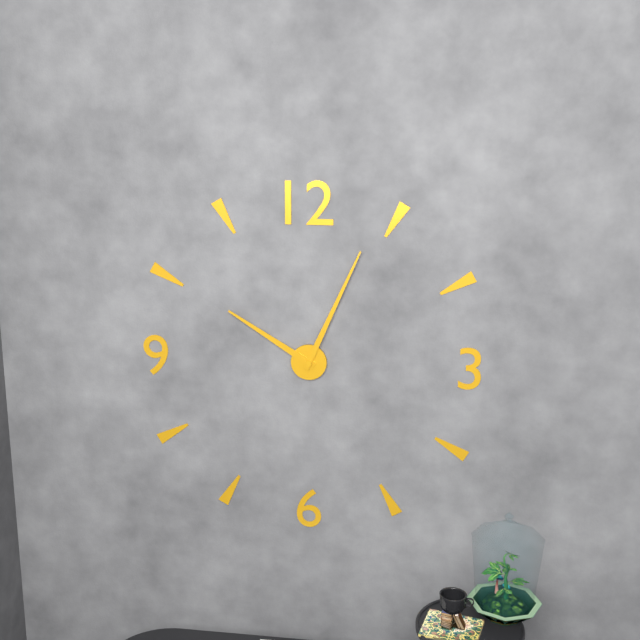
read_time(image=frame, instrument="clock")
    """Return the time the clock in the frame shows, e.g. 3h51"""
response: 10h04
